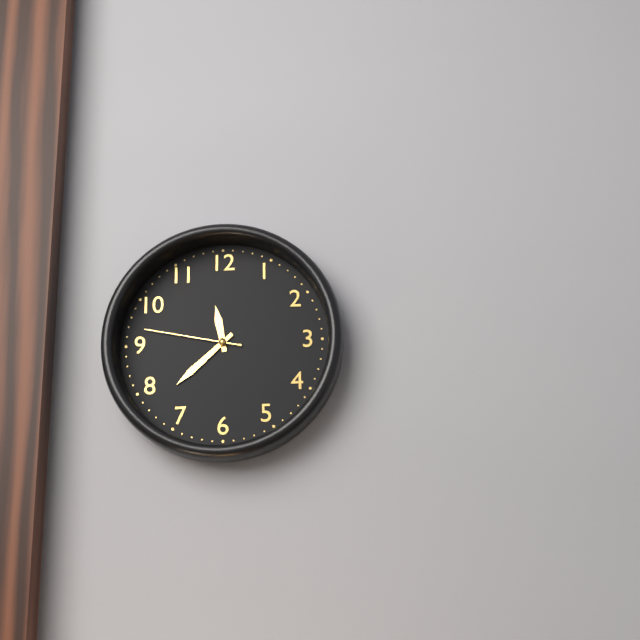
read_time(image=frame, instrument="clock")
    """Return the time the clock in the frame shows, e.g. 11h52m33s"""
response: 11h38m47s
